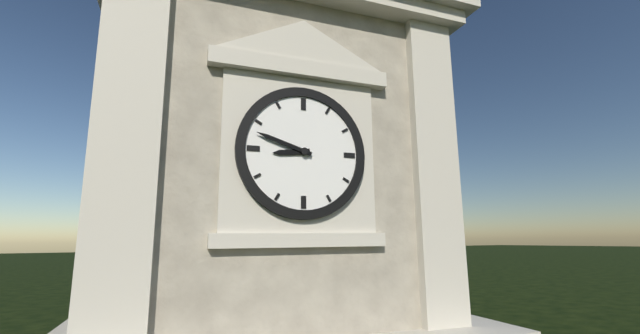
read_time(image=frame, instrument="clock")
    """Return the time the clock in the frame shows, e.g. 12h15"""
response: 8h48
